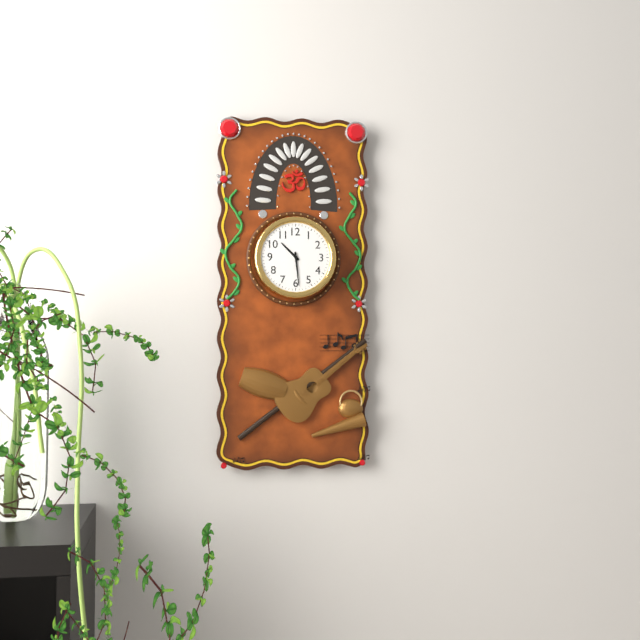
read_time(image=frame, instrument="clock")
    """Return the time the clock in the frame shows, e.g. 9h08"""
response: 10h29
